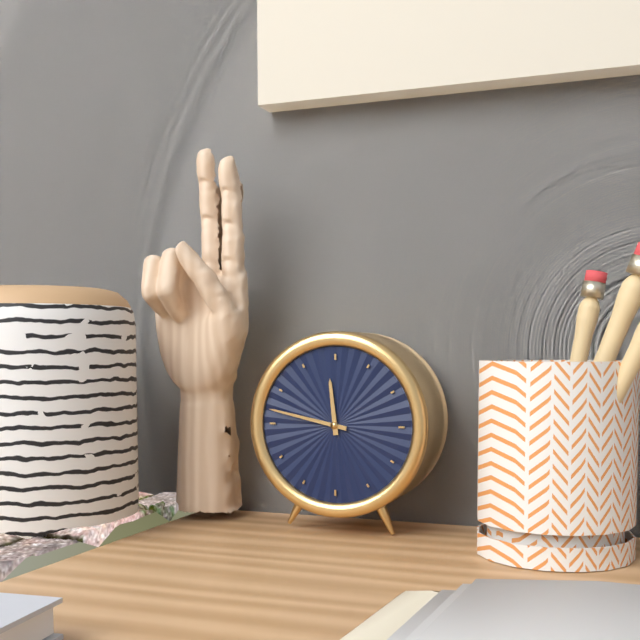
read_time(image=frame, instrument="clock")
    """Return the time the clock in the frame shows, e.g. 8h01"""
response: 11h47
